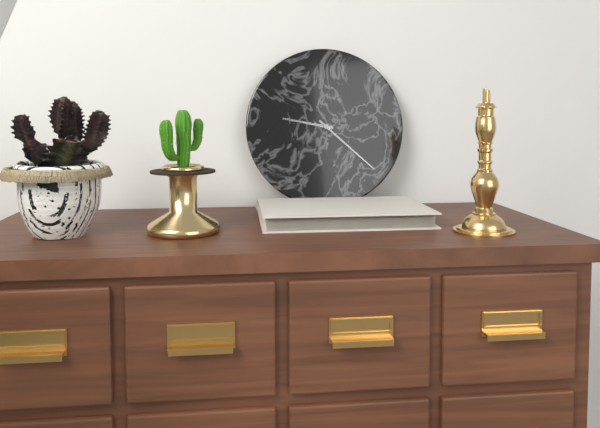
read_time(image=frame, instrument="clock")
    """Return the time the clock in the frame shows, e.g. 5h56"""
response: 9h22
